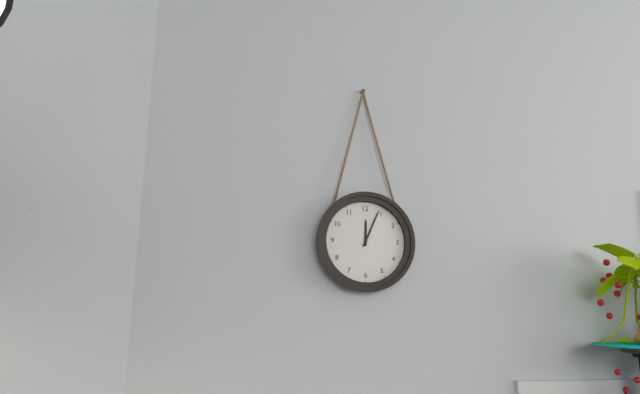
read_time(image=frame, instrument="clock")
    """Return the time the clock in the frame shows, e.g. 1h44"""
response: 12h04
